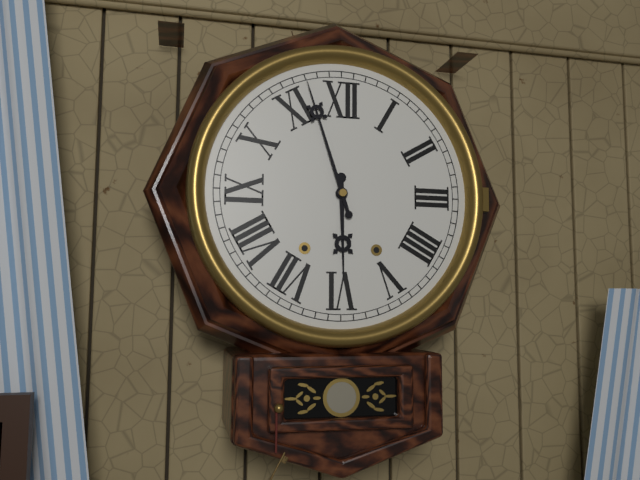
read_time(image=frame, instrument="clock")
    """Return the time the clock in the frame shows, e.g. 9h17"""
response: 5h57
